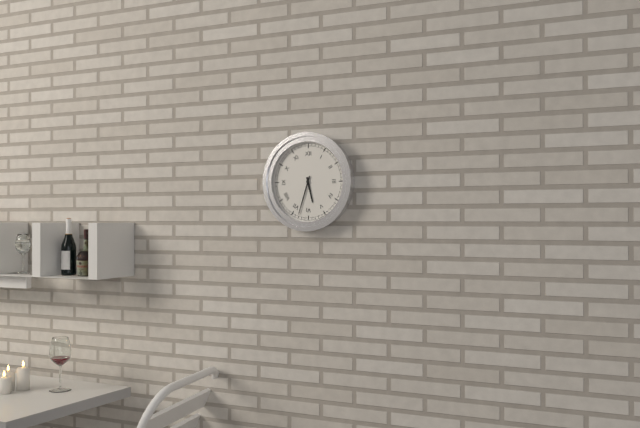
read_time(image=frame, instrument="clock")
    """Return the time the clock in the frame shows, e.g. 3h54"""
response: 5h33
